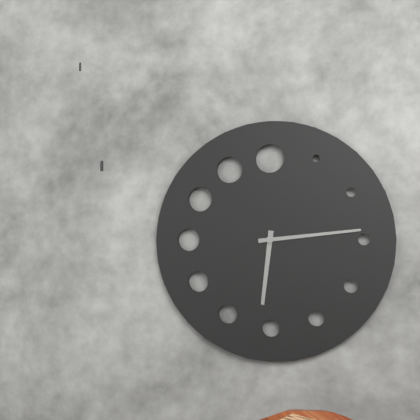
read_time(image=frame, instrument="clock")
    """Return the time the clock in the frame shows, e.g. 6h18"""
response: 6h14
